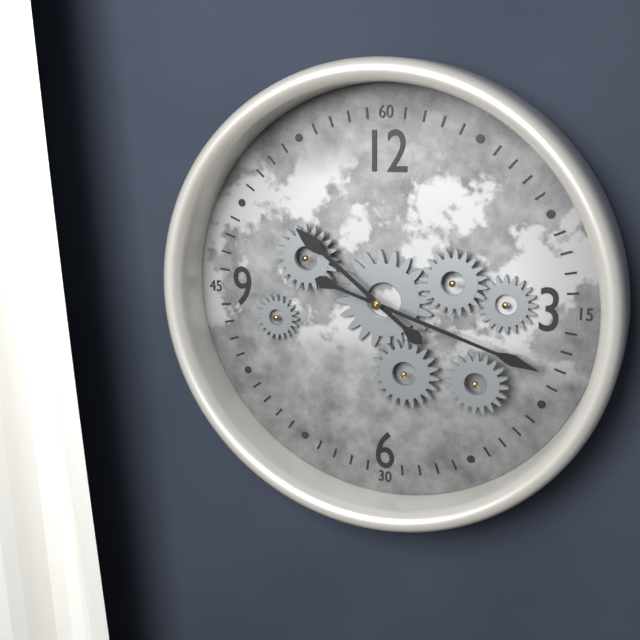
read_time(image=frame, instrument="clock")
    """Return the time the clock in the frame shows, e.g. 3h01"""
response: 10h18
